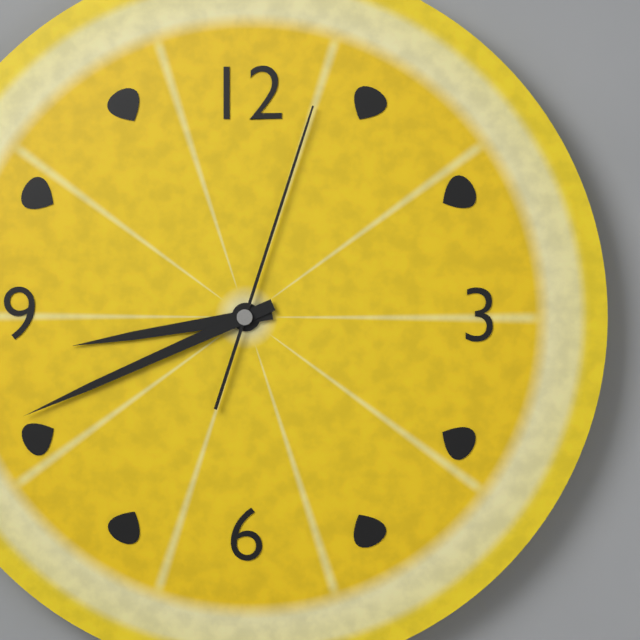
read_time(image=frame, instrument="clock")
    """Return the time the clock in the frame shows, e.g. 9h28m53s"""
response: 8h41m03s
